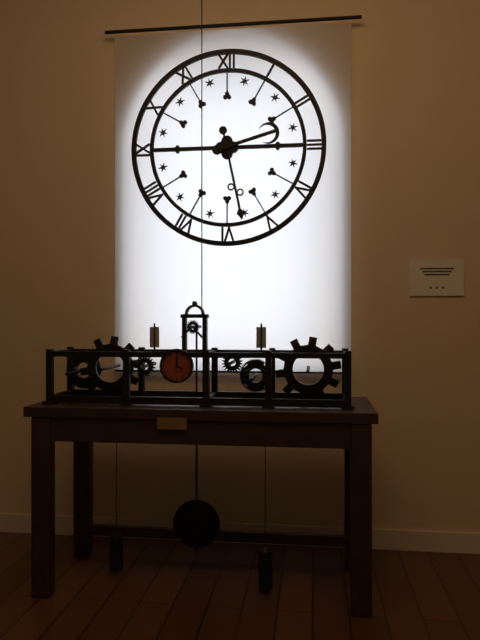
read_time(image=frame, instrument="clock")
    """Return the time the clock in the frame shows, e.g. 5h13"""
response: 2h28
